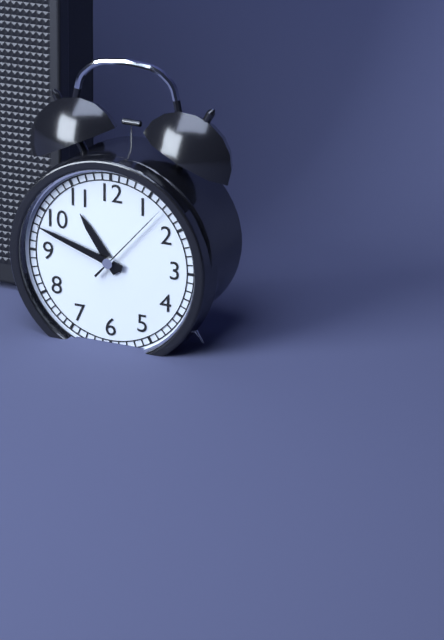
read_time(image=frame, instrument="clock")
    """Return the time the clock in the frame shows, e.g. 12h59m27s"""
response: 10h48m07s
